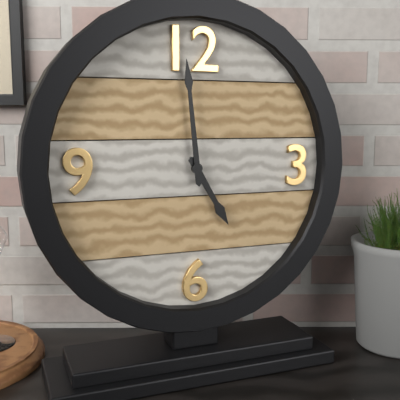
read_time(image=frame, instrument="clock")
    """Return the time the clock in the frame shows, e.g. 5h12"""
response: 4h59
